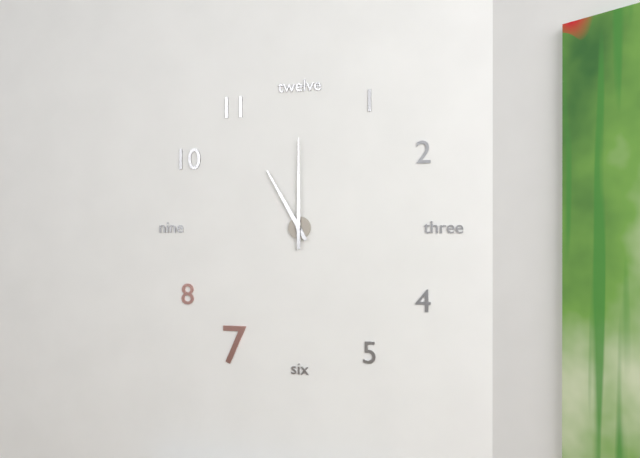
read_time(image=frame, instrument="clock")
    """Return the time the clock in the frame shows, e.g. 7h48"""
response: 11h00
